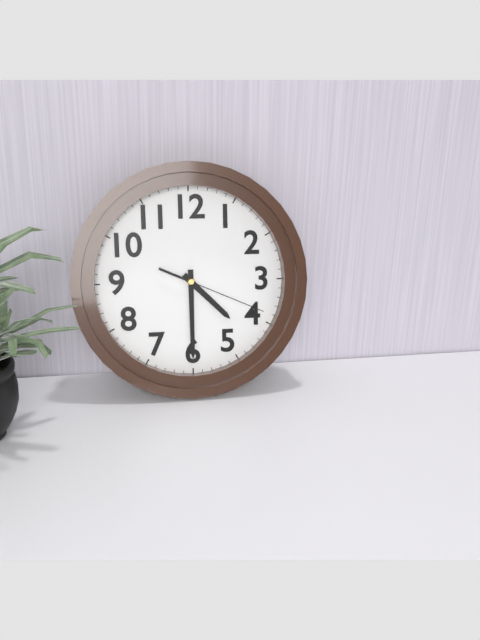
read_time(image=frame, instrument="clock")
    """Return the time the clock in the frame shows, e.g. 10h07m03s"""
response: 4h30m19s
